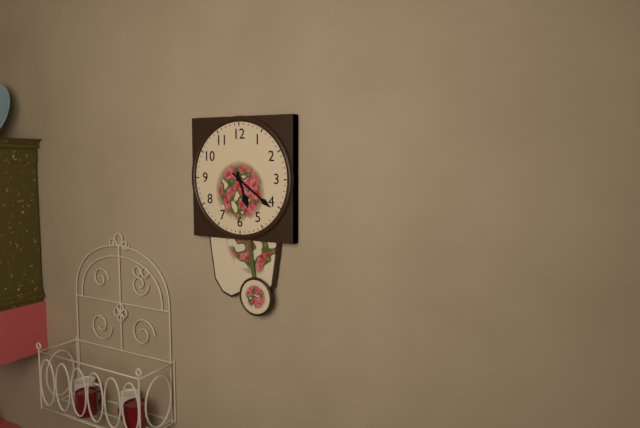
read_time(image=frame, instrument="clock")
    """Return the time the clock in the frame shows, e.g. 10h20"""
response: 5h21
